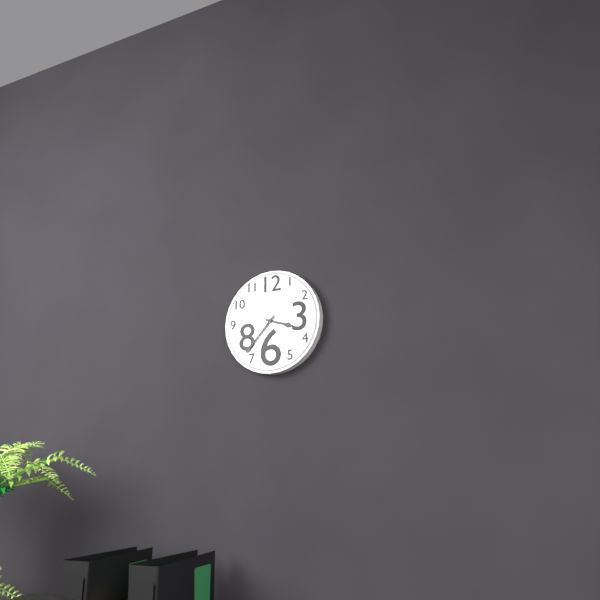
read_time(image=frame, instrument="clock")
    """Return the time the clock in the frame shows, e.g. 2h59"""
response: 3h37
